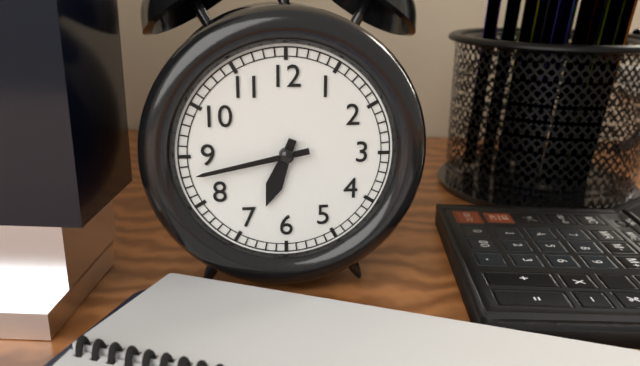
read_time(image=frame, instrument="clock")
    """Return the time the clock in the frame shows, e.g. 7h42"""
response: 6h43
